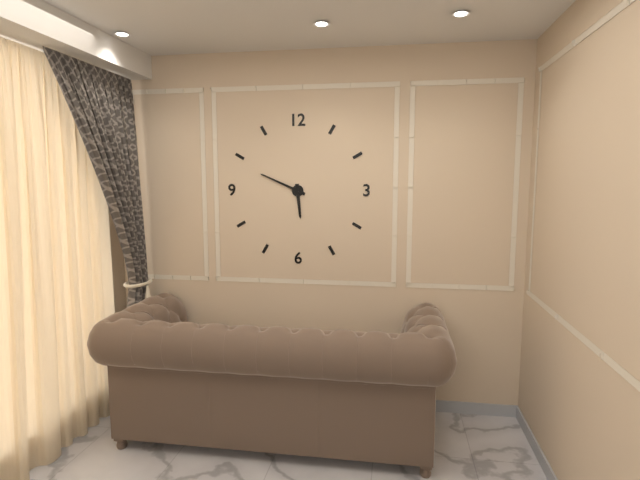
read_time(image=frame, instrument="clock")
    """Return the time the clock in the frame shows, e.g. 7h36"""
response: 5h49
